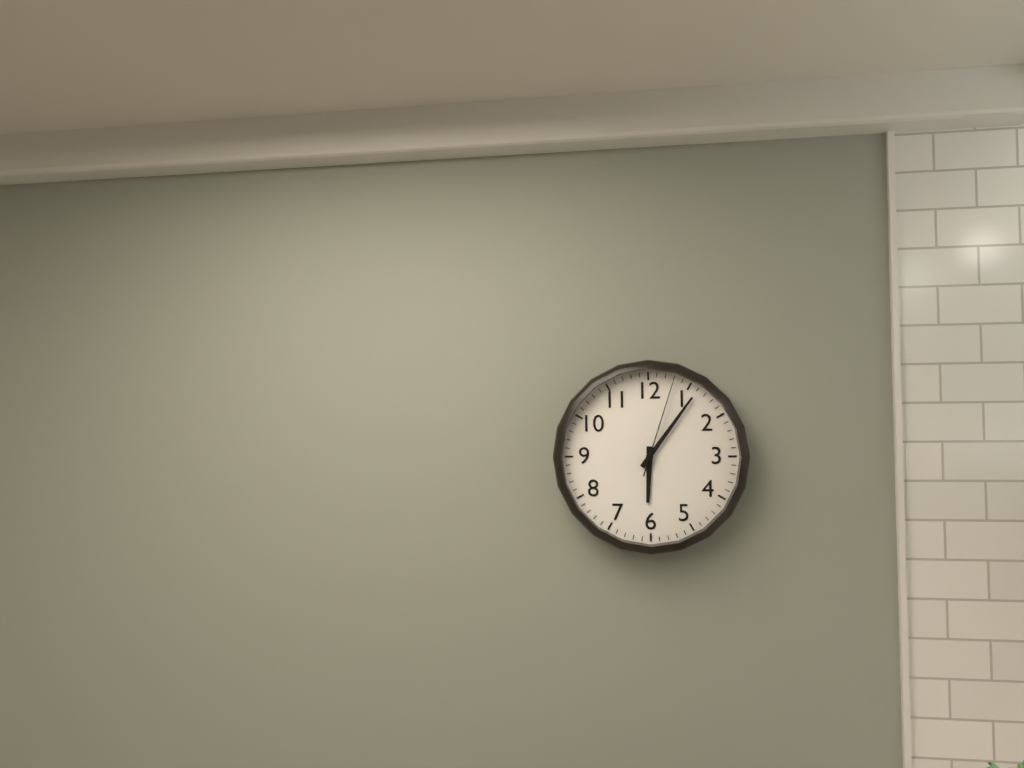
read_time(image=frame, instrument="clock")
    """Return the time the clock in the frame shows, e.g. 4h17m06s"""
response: 6h06m03s
